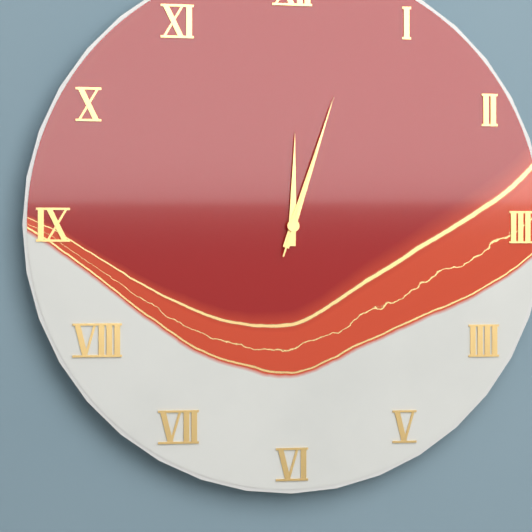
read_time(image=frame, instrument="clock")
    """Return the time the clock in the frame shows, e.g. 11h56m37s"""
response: 12h03m03s
